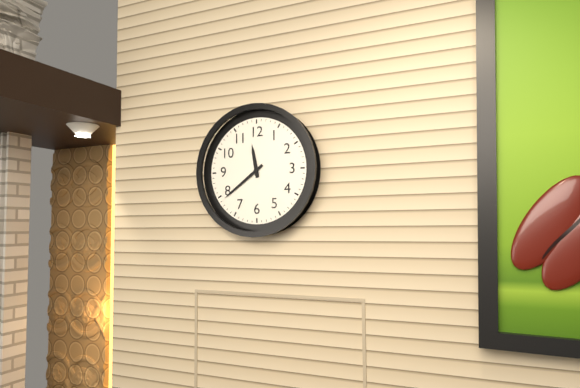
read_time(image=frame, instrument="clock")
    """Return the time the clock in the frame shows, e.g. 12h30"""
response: 11h39
